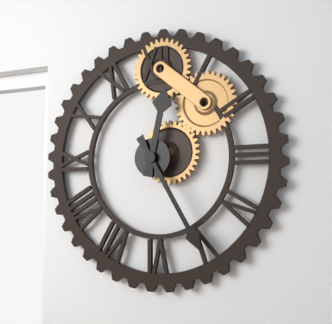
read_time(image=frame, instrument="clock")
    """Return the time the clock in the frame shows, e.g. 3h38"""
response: 12h25
